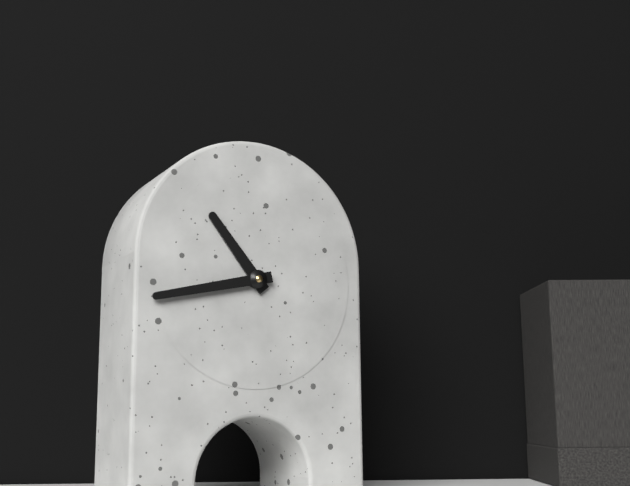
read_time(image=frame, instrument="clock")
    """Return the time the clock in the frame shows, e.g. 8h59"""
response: 10h43
